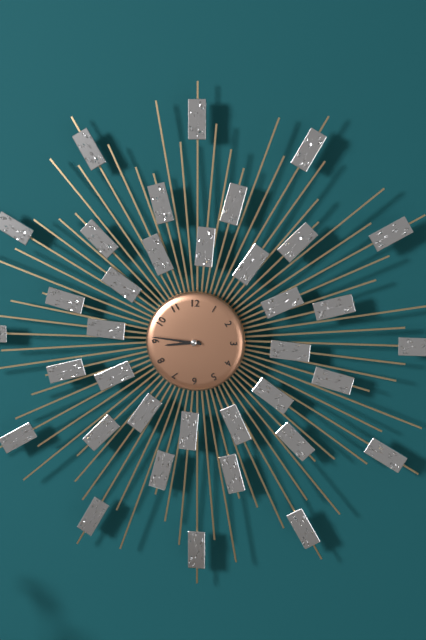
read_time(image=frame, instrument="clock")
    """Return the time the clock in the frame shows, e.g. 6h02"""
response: 8h46
